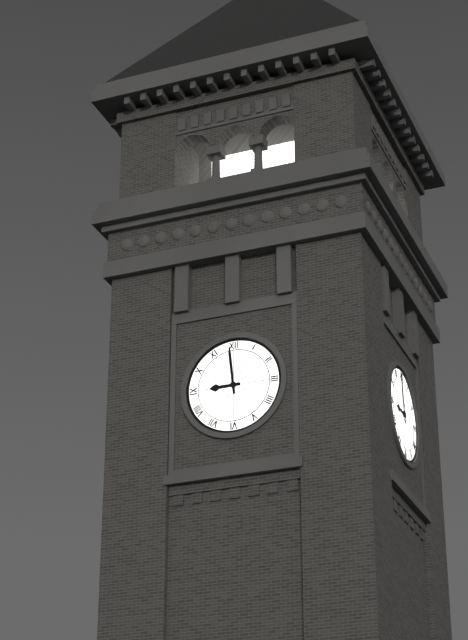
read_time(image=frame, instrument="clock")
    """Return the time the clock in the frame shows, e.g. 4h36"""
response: 8h59
